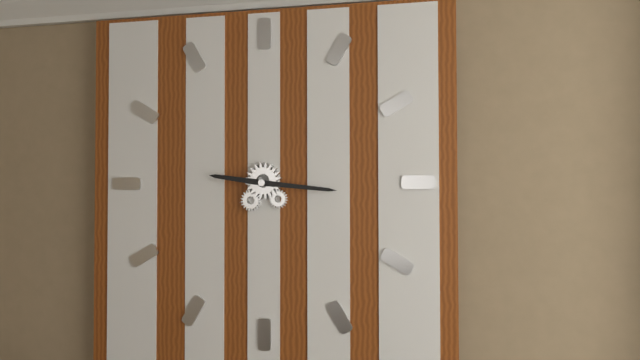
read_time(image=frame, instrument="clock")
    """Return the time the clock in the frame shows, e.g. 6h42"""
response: 9h16
